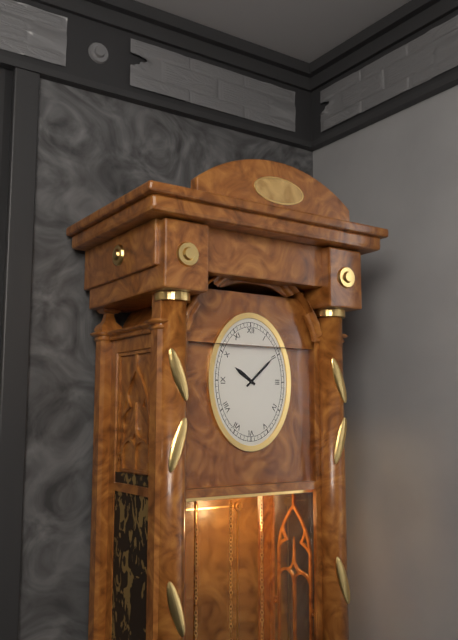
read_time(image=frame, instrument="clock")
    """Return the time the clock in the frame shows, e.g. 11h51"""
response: 10h08
